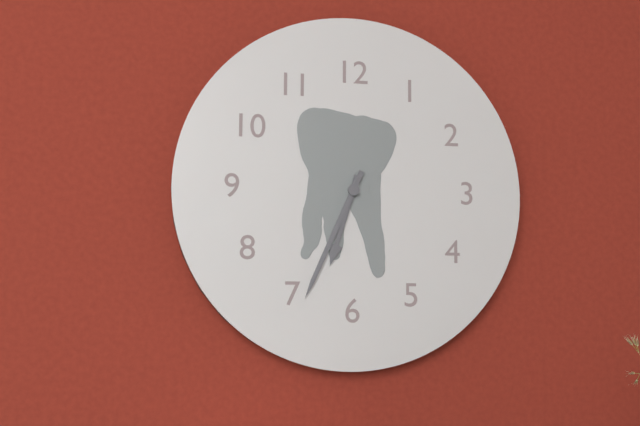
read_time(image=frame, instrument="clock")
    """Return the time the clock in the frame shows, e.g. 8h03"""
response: 6h34
